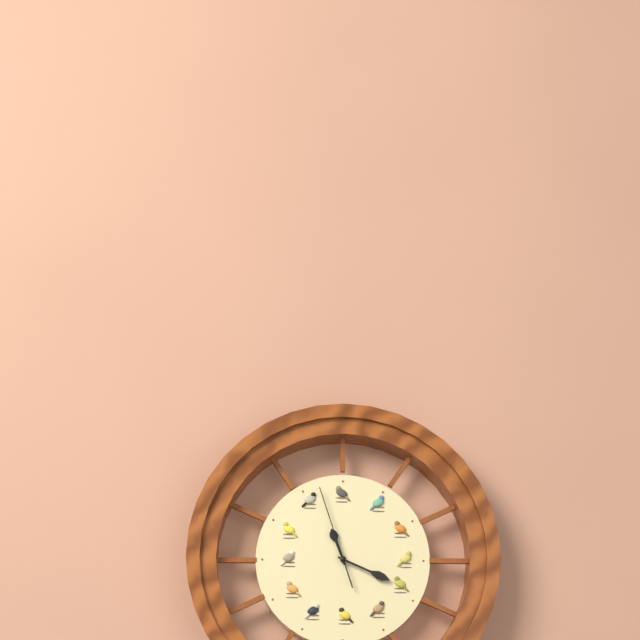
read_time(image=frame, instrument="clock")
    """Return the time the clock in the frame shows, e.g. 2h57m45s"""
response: 11h19m57s
